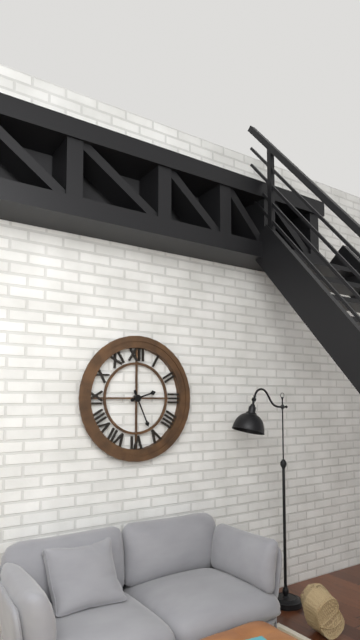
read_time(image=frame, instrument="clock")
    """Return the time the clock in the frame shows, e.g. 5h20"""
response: 2h26
